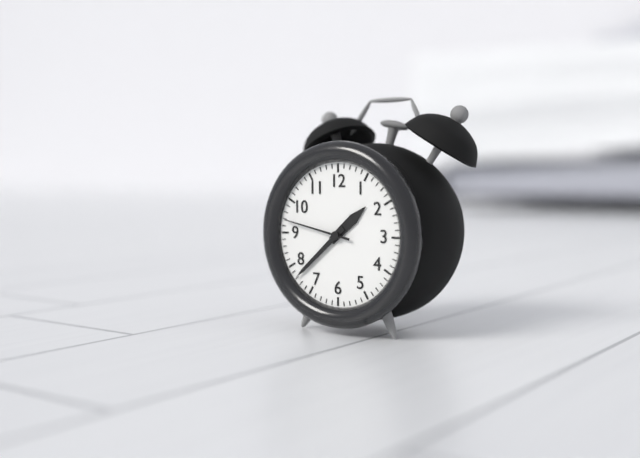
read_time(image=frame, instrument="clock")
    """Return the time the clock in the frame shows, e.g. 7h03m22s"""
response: 1h38m47s
